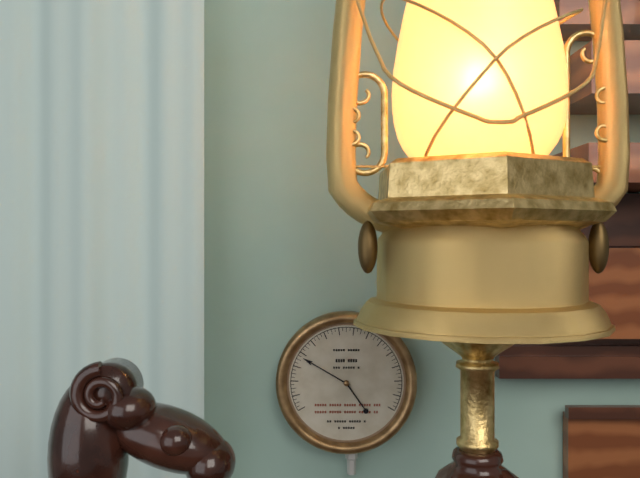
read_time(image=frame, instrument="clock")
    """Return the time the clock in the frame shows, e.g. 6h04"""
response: 4h50
